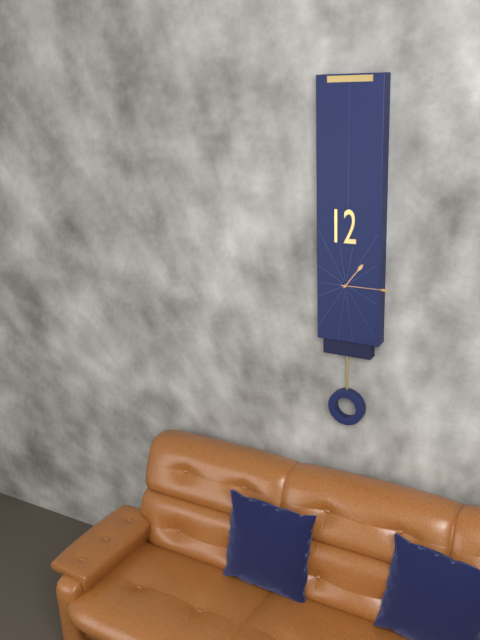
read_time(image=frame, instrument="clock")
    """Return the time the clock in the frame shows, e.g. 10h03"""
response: 1h15
